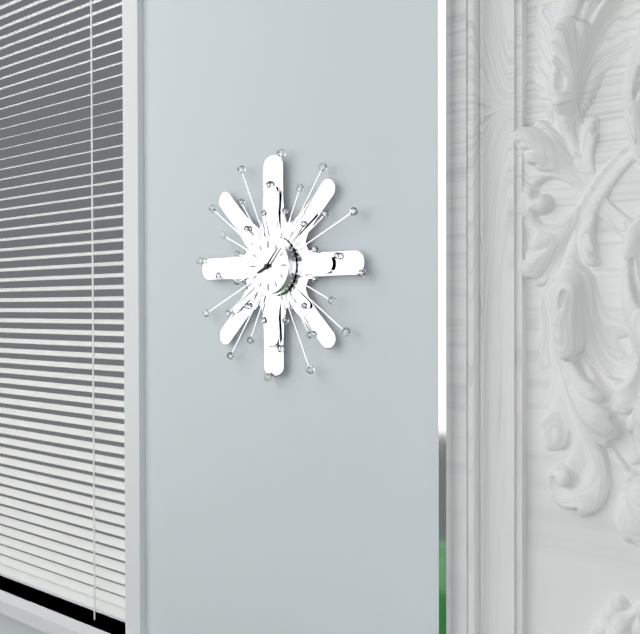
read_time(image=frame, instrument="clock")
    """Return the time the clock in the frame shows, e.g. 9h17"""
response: 8h07
